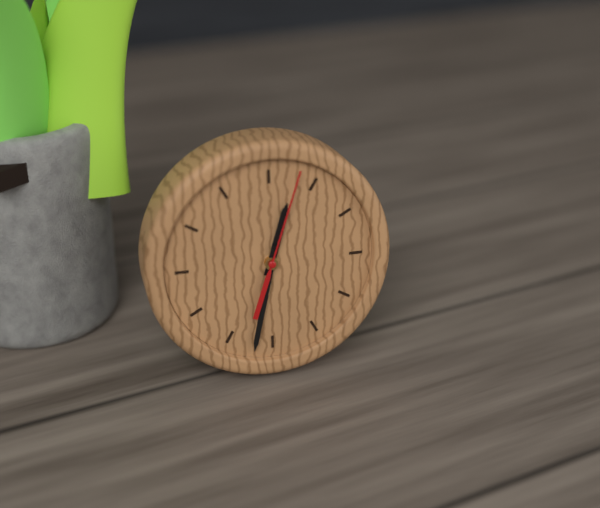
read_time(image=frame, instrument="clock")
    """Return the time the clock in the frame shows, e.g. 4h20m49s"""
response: 12h32m03s
